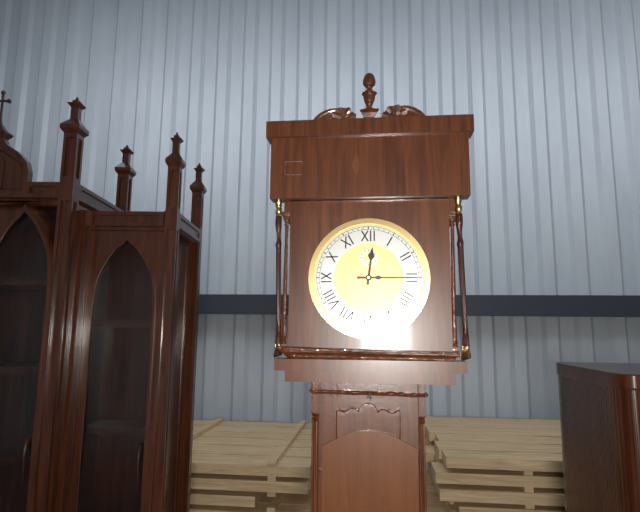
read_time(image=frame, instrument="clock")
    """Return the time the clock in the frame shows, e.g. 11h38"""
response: 12h15
